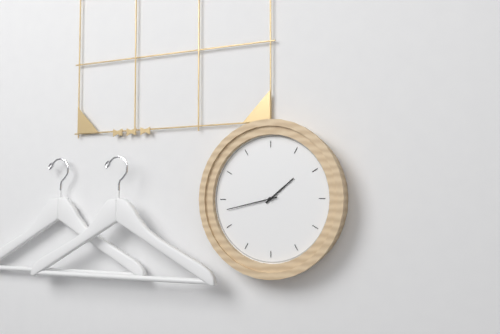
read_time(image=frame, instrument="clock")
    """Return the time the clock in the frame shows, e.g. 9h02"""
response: 1h43
